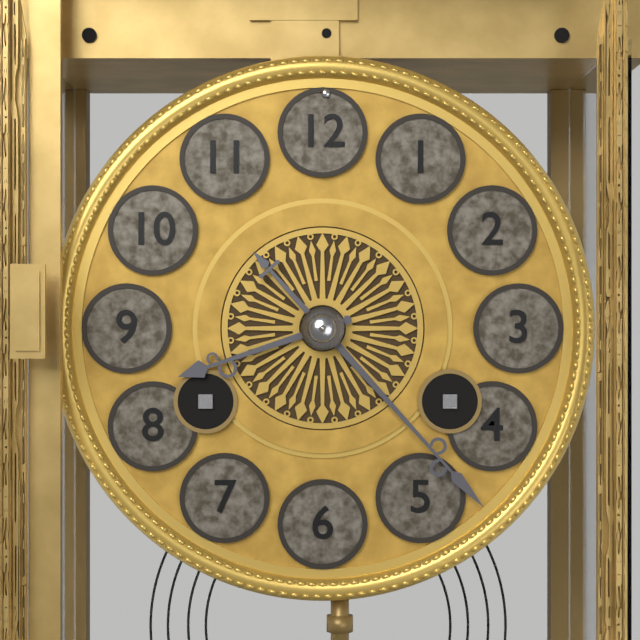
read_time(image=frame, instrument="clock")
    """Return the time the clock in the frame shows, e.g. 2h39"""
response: 8h23
